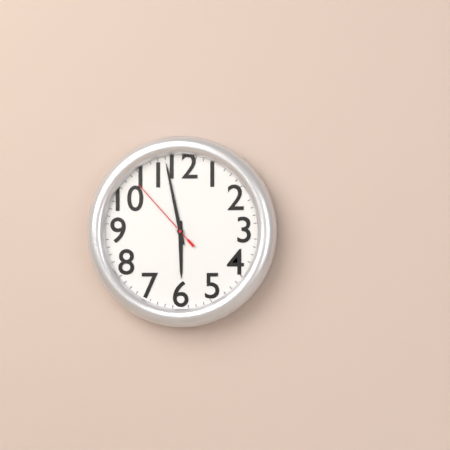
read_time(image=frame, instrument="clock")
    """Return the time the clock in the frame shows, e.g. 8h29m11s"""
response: 5h58m53s
